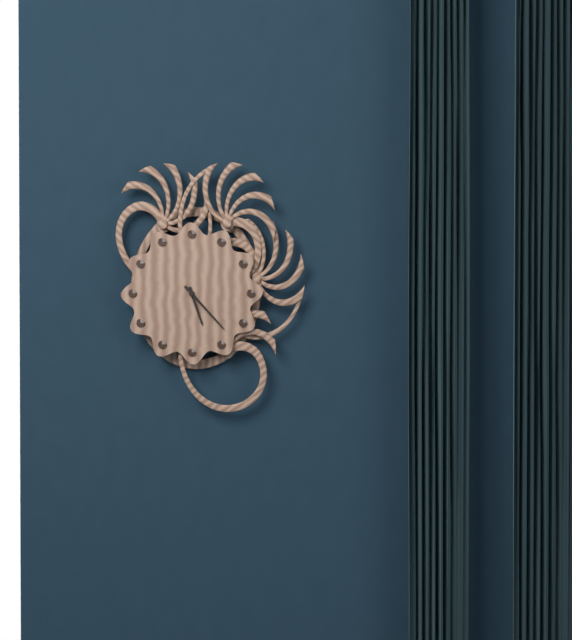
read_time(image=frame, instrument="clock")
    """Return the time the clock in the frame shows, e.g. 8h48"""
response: 5h23
